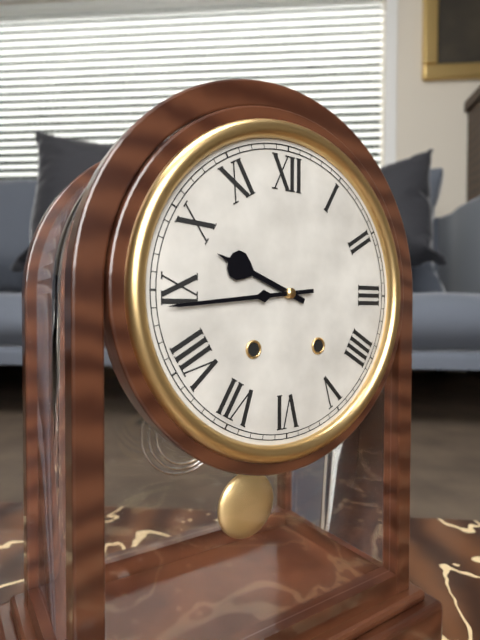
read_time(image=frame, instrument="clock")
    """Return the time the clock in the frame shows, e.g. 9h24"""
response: 9h44
